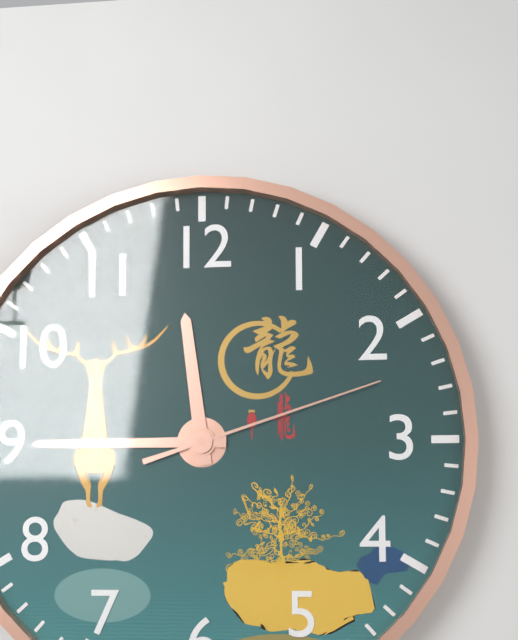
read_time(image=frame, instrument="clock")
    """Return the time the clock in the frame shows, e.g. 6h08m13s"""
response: 11h45m12s
